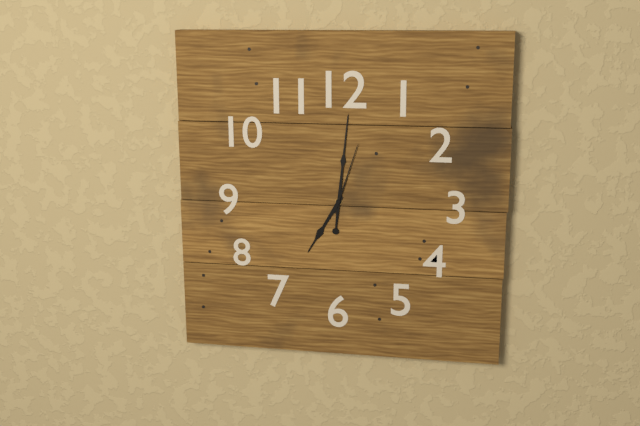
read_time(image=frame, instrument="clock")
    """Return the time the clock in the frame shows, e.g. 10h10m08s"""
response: 7h01m03s
